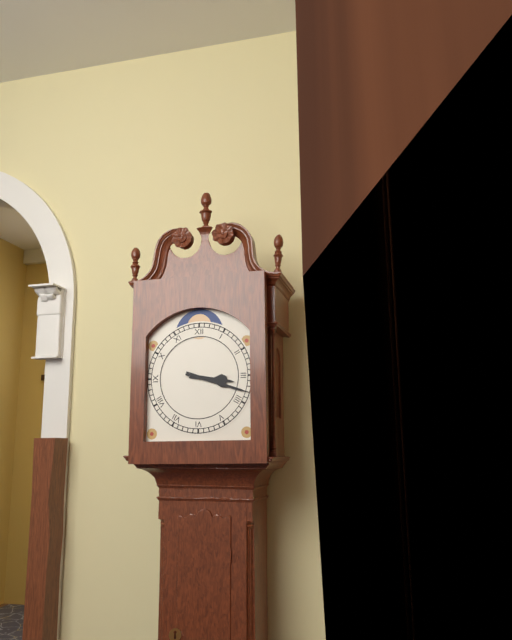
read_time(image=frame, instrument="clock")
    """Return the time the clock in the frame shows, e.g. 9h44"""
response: 3h18
